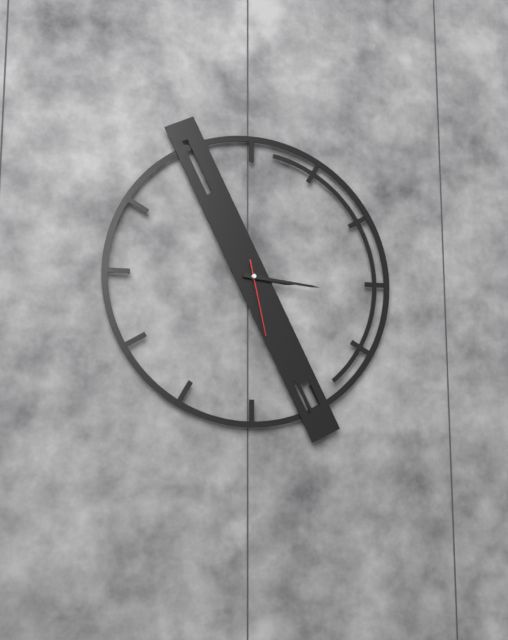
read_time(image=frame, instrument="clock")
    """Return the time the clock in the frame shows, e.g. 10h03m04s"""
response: 3h16m28s
